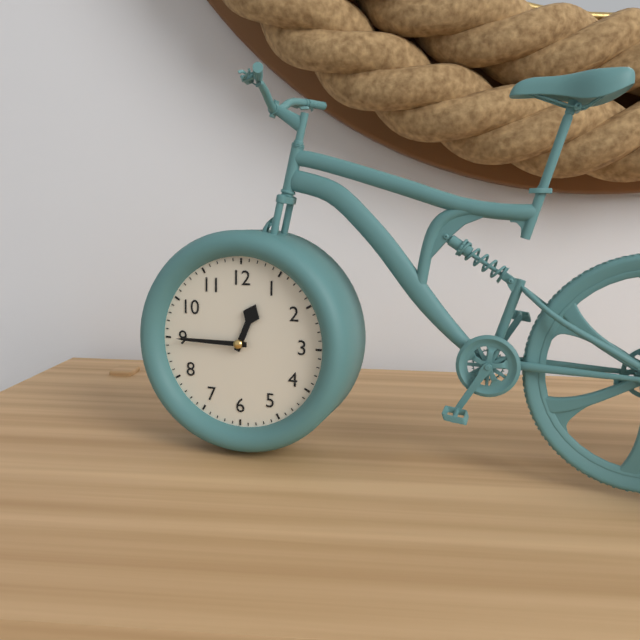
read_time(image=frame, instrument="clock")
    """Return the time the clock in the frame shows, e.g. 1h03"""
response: 12h45
